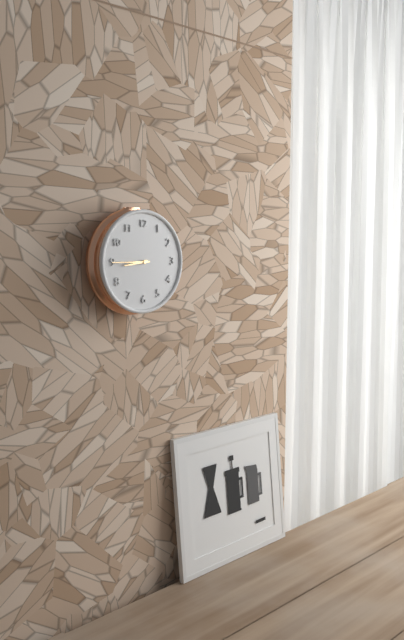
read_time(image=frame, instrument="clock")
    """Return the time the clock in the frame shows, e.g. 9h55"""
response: 8h45
